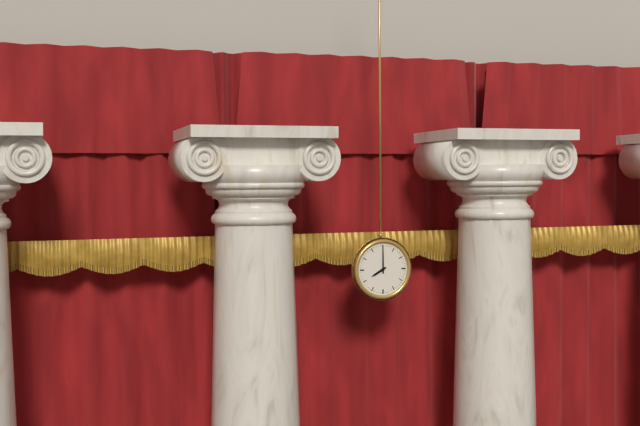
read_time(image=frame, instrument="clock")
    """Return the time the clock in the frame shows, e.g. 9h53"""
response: 8h00
